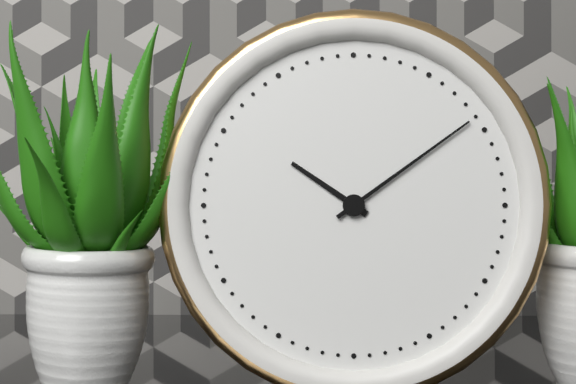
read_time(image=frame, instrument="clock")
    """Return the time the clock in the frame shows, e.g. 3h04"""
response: 10h09
